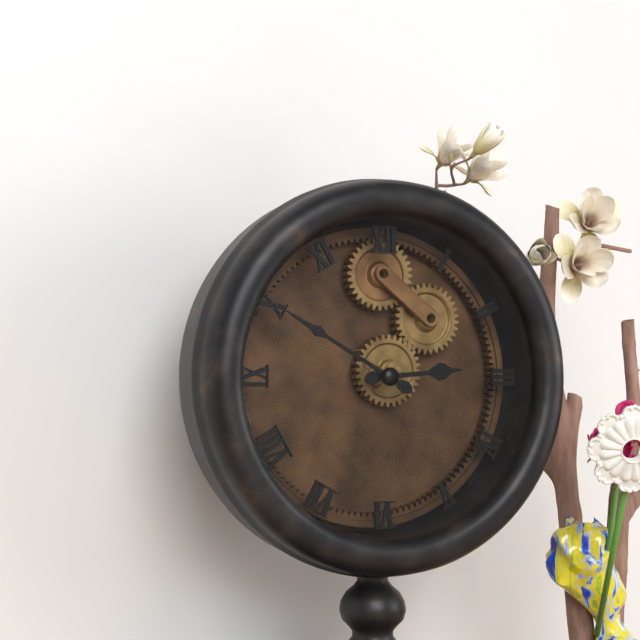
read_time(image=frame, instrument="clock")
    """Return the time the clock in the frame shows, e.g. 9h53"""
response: 2h50
